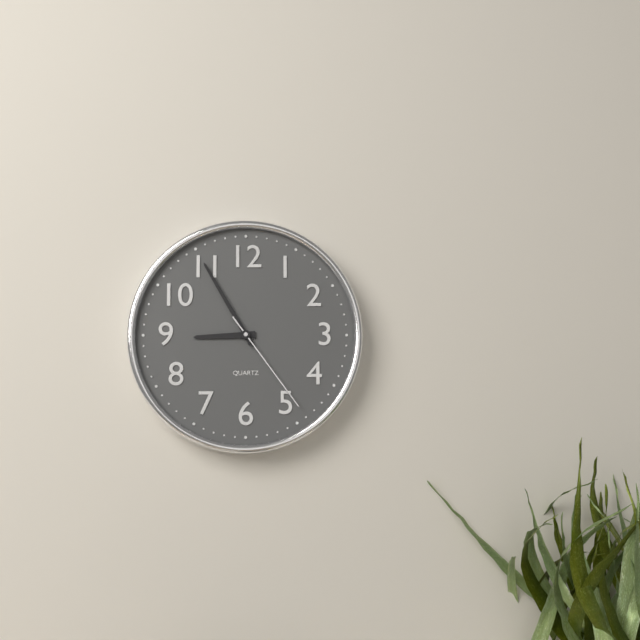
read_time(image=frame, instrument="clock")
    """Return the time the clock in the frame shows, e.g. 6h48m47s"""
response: 8h55m24s
